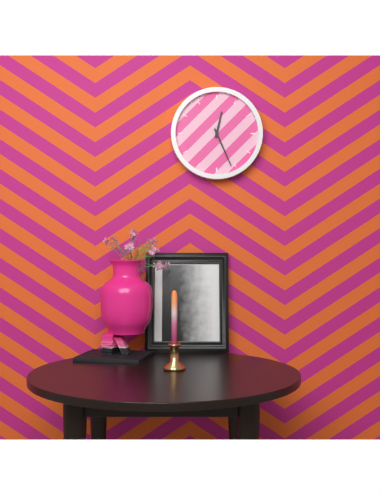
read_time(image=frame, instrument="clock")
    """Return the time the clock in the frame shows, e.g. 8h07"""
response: 12h26
